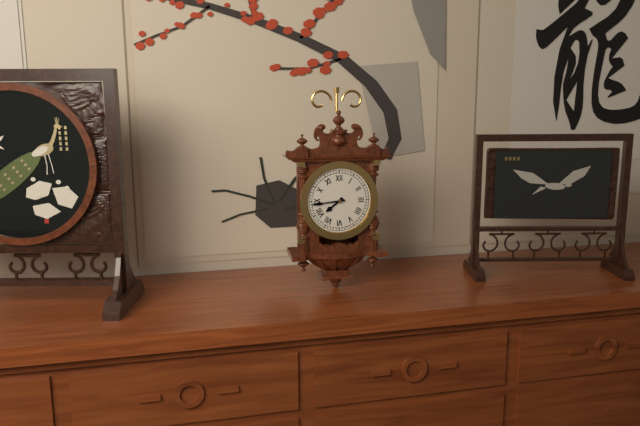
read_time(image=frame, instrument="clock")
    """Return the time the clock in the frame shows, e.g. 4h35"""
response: 7h44
